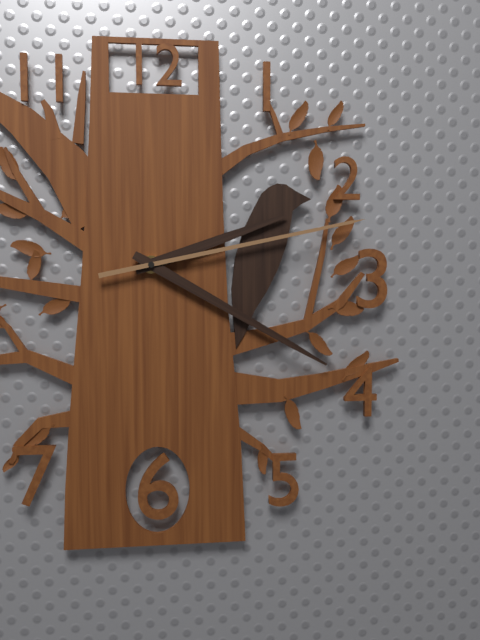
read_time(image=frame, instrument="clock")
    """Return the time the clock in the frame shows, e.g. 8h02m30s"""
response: 2h20m13s
